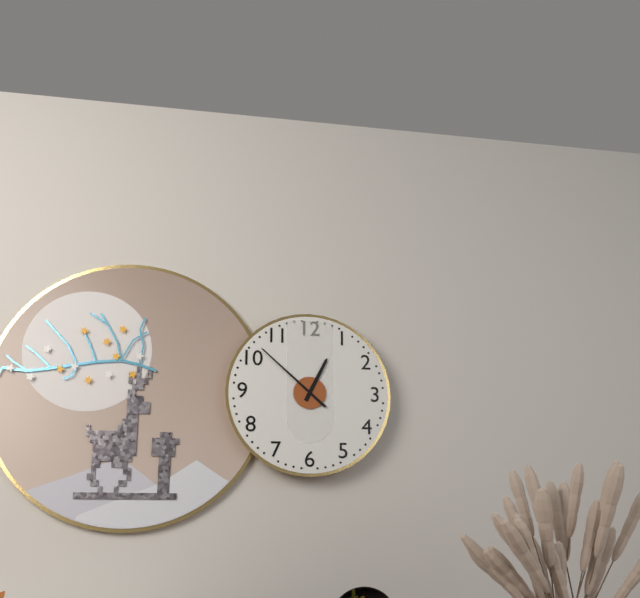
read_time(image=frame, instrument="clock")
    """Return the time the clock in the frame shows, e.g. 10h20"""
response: 12h52
